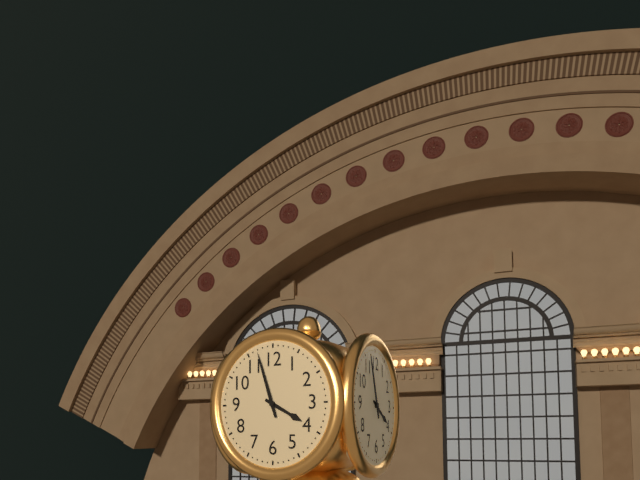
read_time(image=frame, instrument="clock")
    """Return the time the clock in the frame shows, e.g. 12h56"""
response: 3h57
